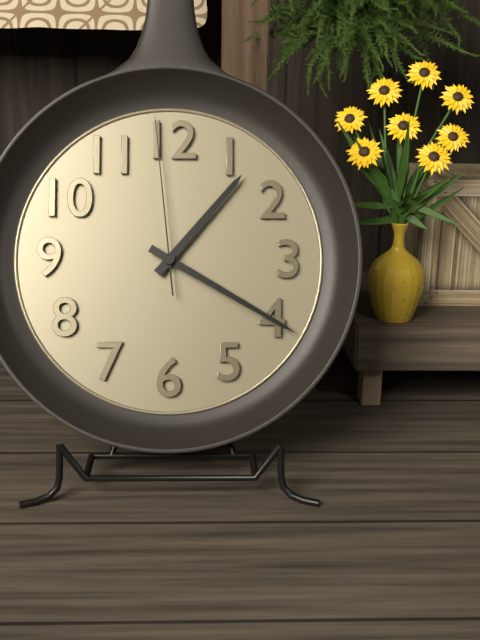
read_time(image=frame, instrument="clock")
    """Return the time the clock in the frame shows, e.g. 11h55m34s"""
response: 1h20m59s
